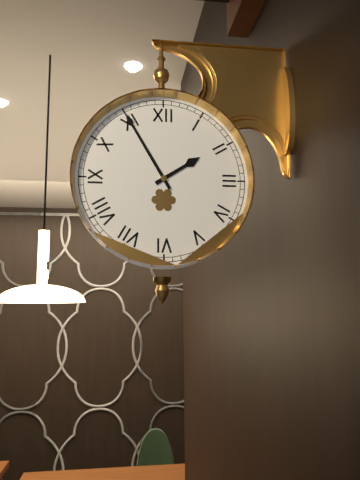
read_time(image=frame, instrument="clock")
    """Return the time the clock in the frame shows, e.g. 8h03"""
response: 1h55
